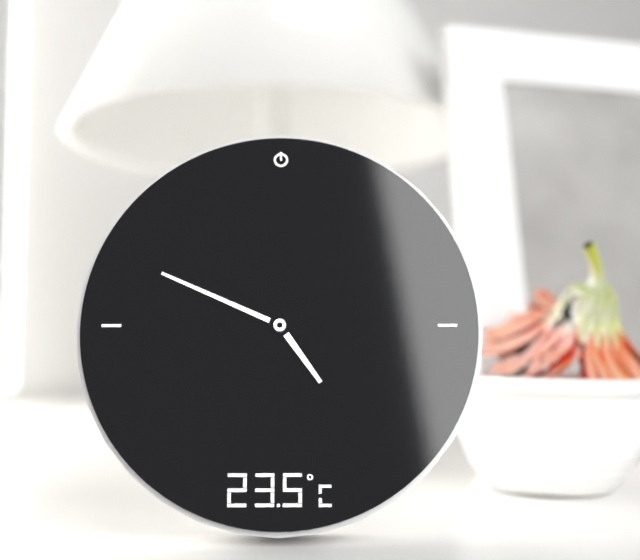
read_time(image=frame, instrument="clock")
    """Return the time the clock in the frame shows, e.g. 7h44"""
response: 4h49
